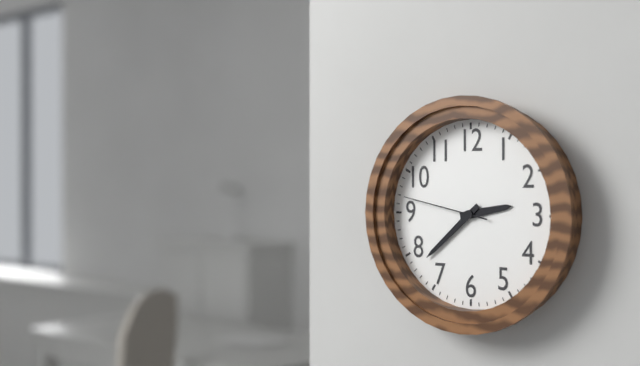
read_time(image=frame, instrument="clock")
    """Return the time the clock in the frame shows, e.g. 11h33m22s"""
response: 2h38m47s
